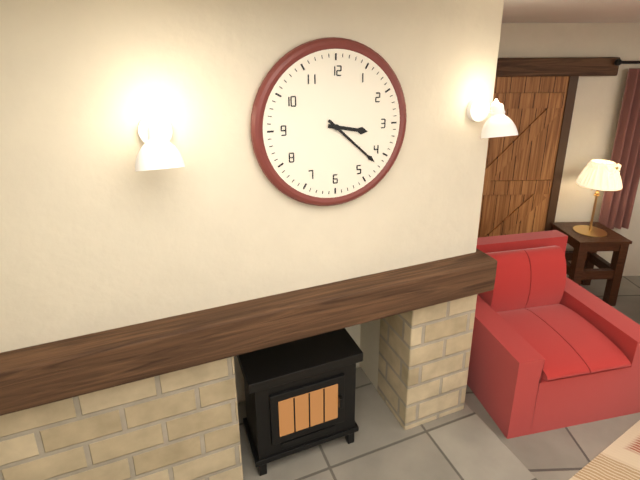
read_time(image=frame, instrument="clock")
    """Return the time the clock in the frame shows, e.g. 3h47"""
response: 3h22
